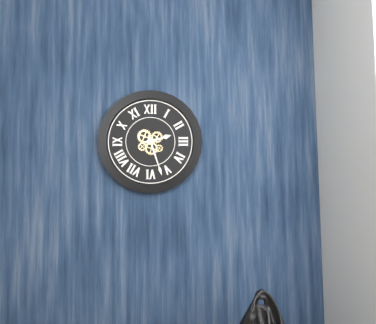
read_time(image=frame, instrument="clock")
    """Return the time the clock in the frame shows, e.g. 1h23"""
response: 2h27
